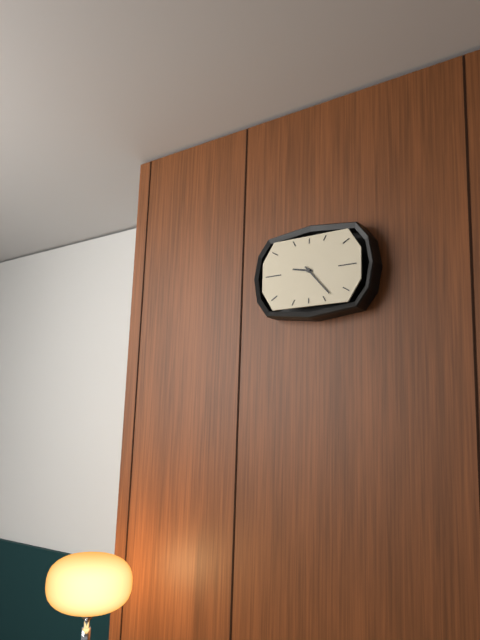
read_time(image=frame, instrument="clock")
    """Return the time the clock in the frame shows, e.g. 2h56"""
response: 9h23
